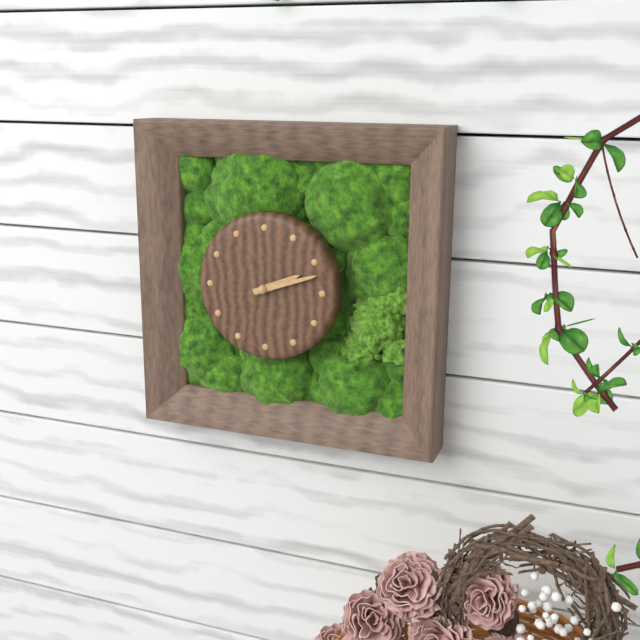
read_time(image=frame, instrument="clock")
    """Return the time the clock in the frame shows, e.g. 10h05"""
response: 2h12
